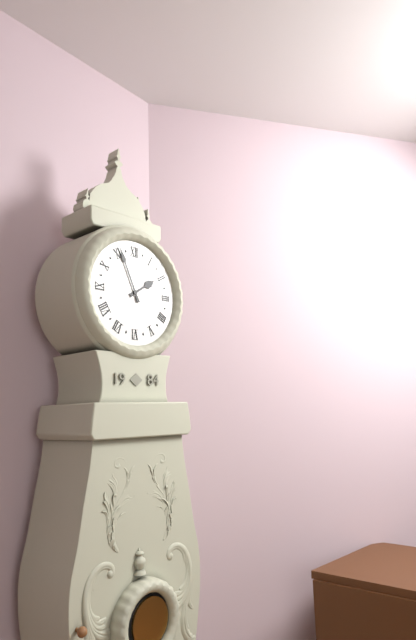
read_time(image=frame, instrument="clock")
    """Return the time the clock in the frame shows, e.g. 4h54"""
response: 1h56
